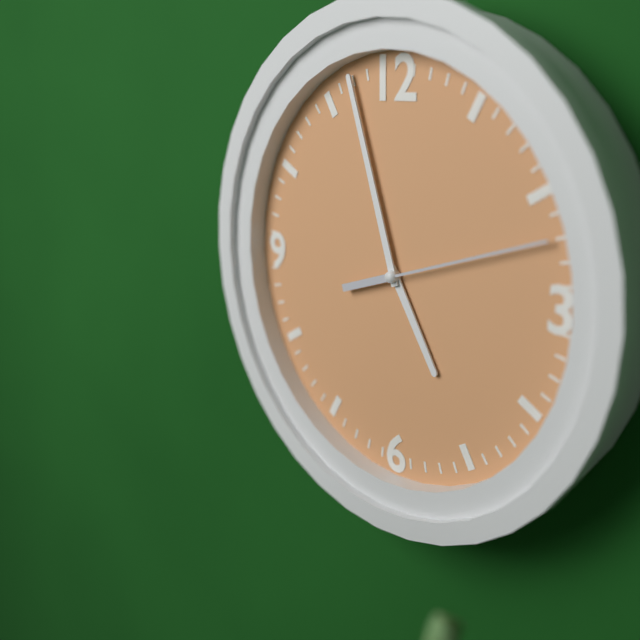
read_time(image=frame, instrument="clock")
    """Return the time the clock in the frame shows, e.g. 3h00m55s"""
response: 4h57m12s
